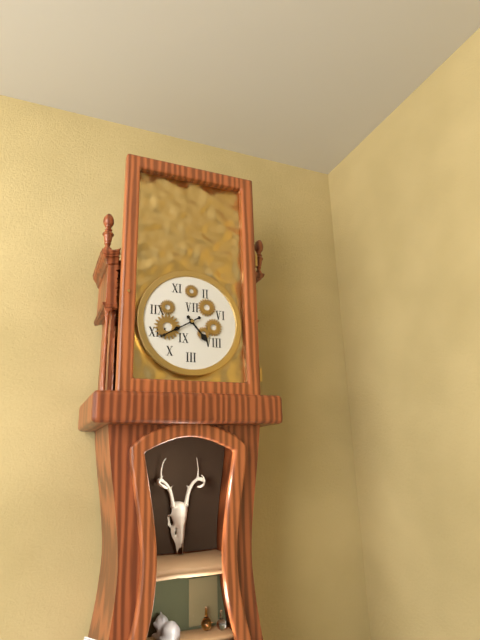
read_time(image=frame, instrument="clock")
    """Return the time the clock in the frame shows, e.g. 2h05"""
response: 4h40
